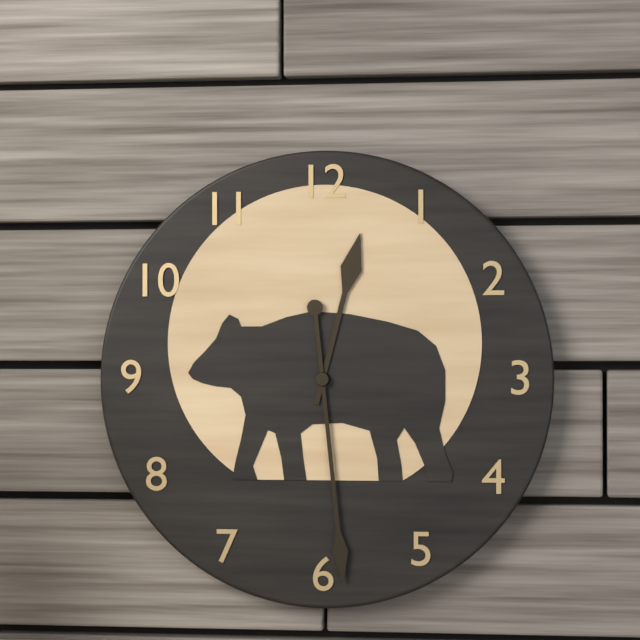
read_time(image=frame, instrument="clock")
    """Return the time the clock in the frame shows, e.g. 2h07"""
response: 12h29
